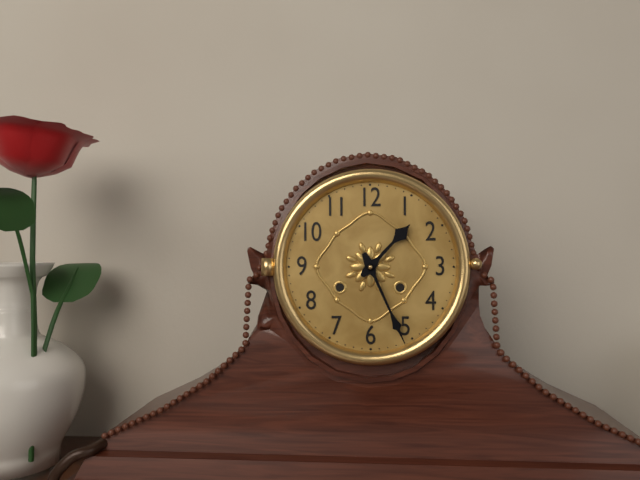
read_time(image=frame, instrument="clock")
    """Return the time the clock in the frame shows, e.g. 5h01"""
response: 1h26
